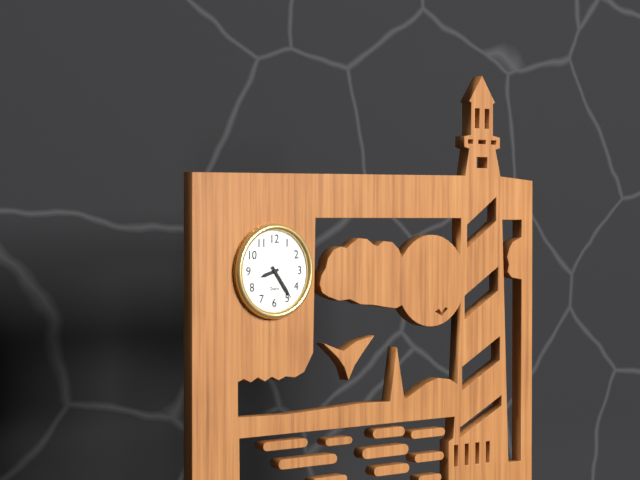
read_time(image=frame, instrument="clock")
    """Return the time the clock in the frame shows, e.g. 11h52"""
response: 8h24
